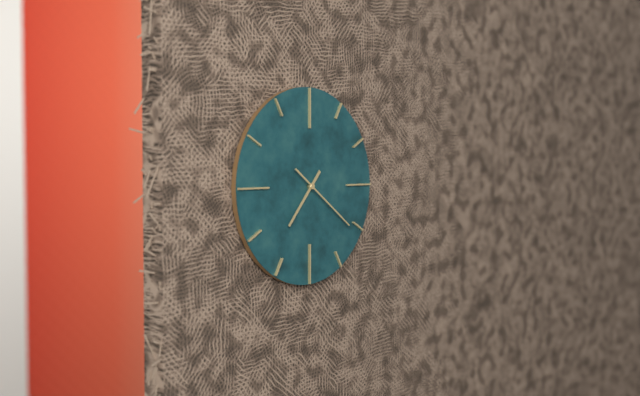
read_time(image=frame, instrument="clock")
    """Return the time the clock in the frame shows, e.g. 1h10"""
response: 7h21
